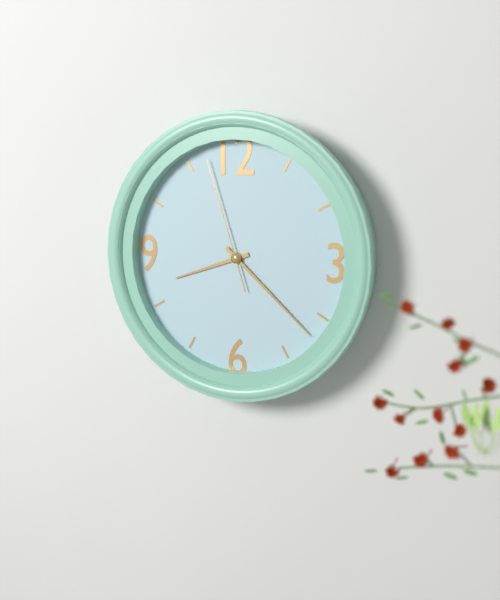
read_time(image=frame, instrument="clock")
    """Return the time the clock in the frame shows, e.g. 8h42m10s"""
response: 8h22m57s
